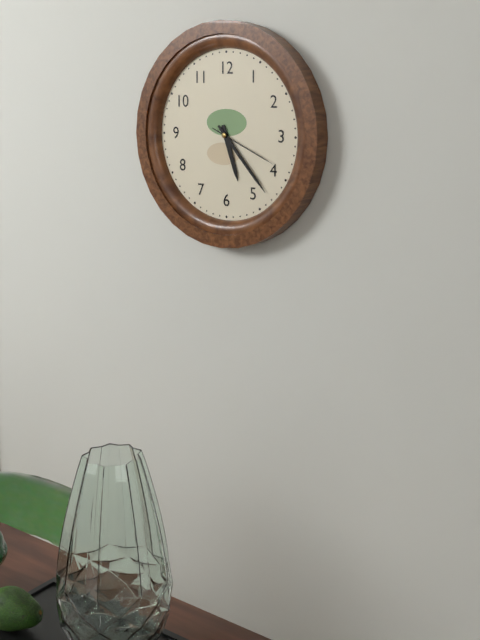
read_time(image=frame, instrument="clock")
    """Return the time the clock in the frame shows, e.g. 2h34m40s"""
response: 5h23m19s
